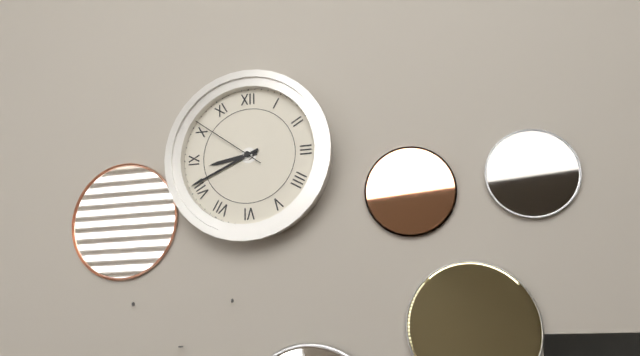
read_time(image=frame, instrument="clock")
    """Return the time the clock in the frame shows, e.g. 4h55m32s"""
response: 8h41m51s
